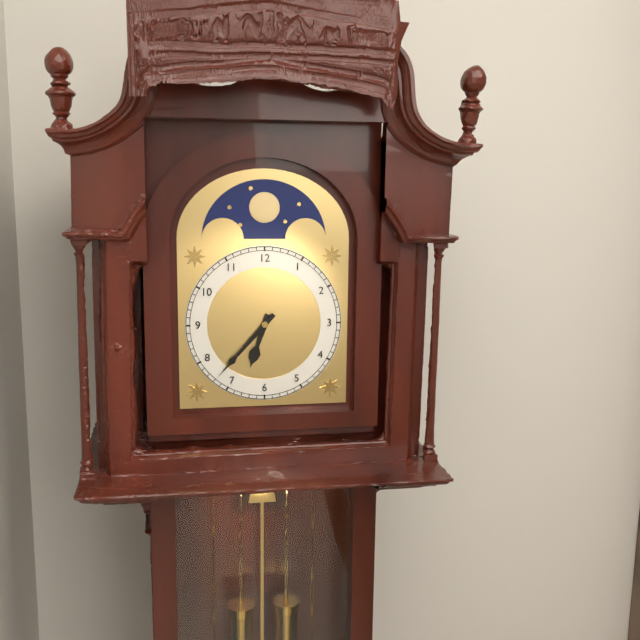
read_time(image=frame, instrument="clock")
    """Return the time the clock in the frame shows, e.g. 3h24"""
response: 6h37
